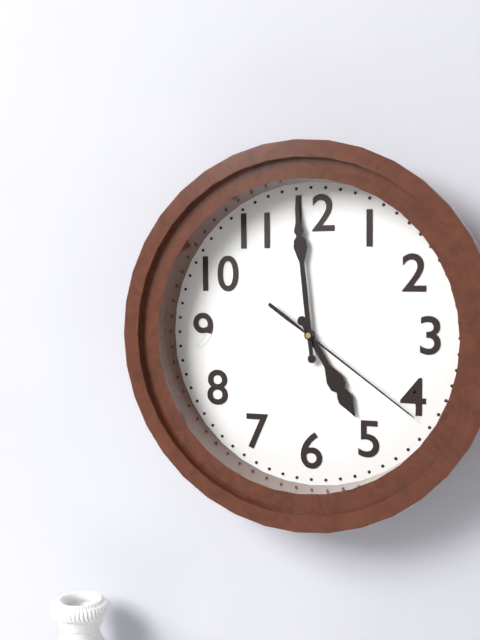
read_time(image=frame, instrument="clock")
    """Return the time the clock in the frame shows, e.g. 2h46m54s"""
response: 4h59m21s
